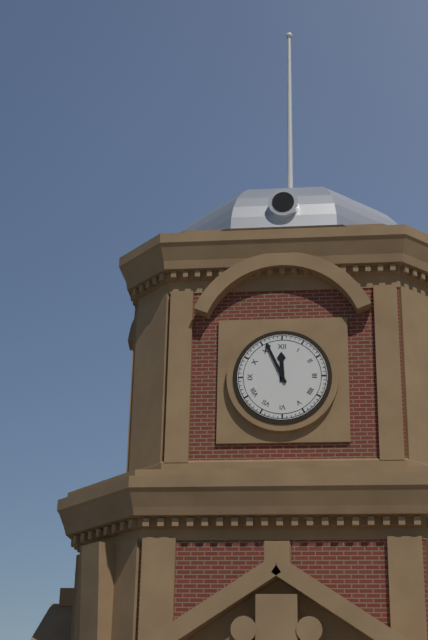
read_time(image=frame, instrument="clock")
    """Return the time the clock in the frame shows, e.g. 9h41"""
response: 11h56
